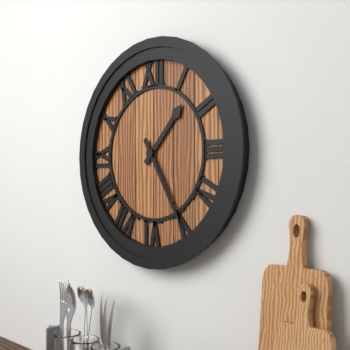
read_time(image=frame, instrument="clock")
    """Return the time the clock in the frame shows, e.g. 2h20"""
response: 1h25
